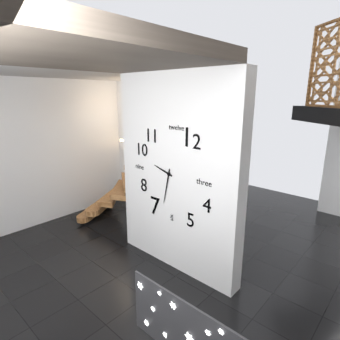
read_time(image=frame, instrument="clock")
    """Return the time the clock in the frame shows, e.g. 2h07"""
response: 9h32
